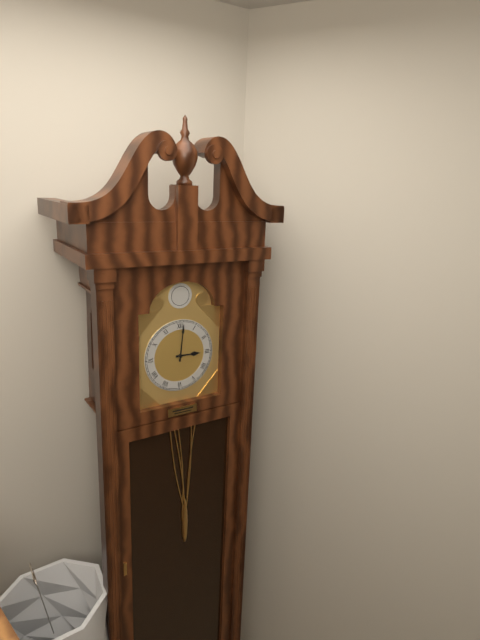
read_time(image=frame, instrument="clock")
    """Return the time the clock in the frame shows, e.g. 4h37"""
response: 3h01
